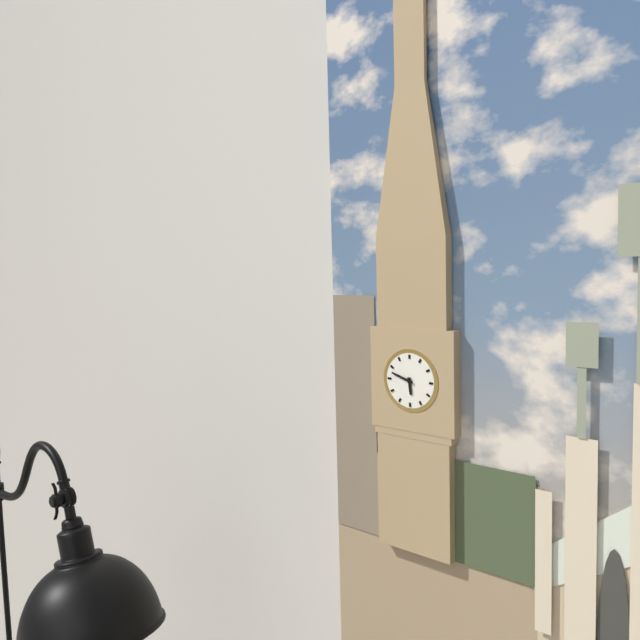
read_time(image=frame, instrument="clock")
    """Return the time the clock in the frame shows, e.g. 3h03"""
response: 5h48
